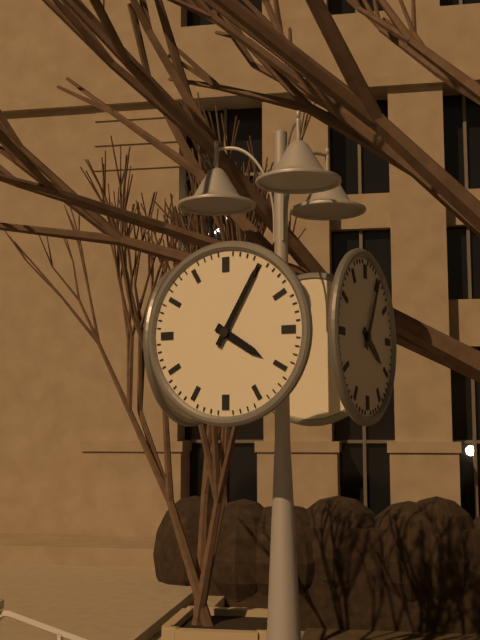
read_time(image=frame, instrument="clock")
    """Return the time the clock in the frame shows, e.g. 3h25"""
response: 4h05
